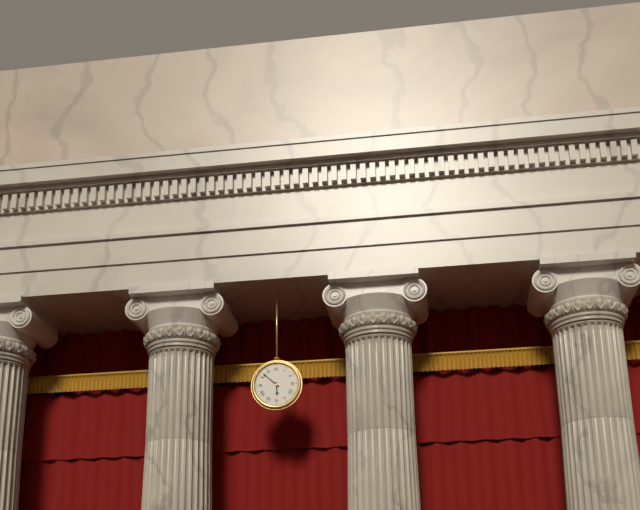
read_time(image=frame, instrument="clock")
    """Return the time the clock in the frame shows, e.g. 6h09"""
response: 5h52
